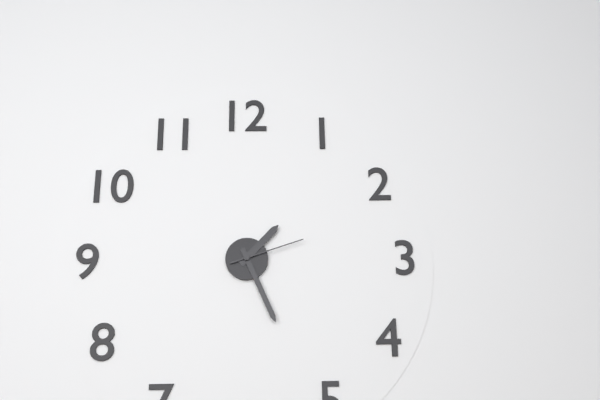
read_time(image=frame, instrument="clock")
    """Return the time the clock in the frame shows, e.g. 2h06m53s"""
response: 1h26m12s
